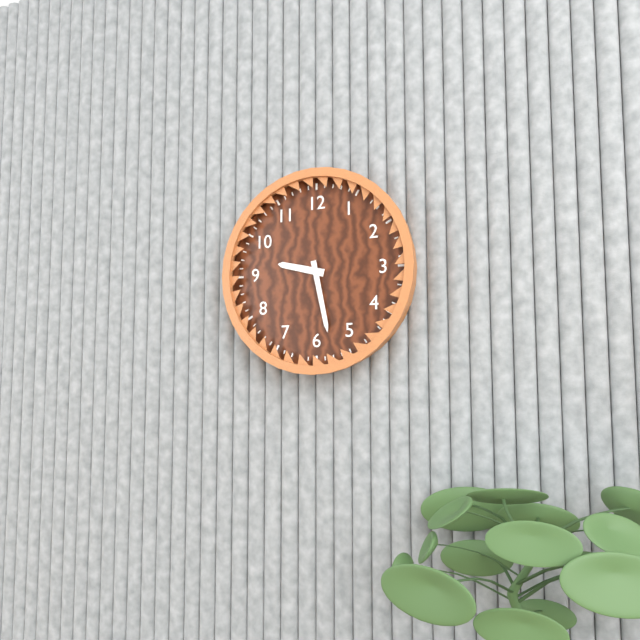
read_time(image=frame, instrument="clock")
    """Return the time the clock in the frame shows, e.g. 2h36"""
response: 9h28
